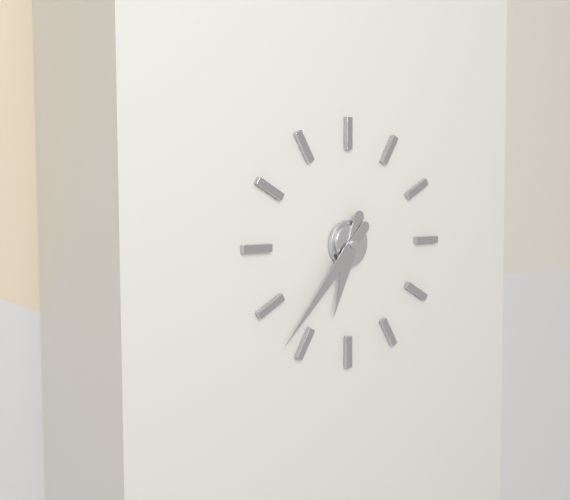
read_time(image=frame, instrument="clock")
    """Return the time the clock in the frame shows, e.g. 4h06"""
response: 6h37
